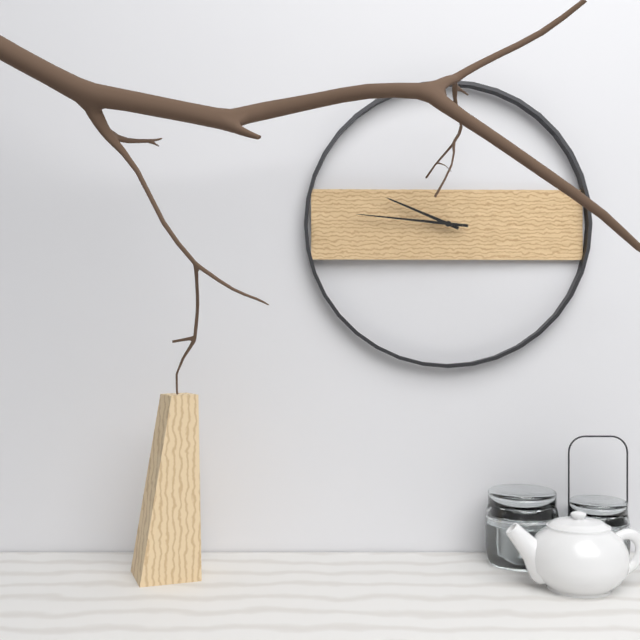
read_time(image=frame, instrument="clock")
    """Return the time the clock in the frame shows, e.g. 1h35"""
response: 9h46
